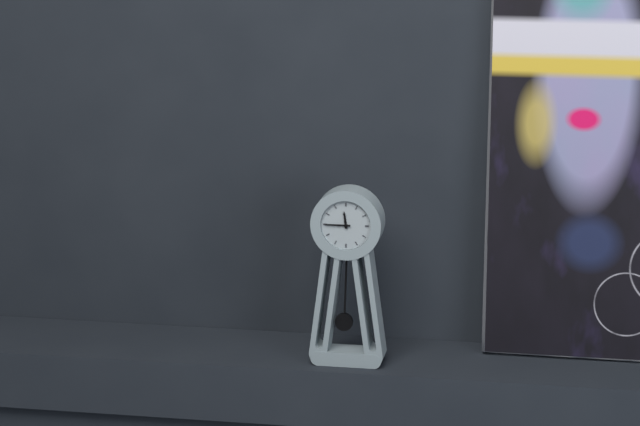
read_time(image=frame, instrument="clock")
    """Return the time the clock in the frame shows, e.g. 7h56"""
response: 11h45
